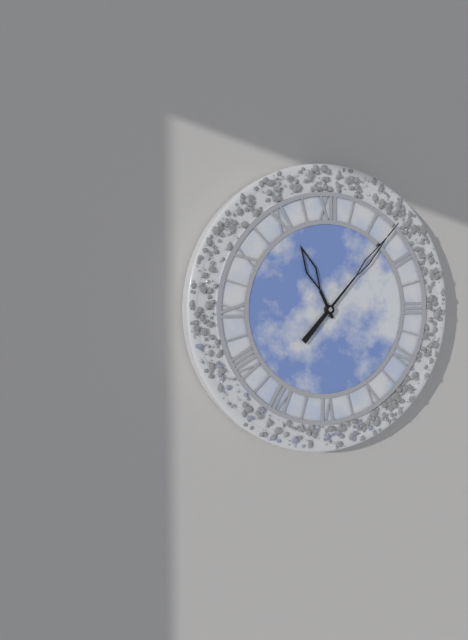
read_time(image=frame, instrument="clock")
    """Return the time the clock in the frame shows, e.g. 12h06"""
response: 11h07
